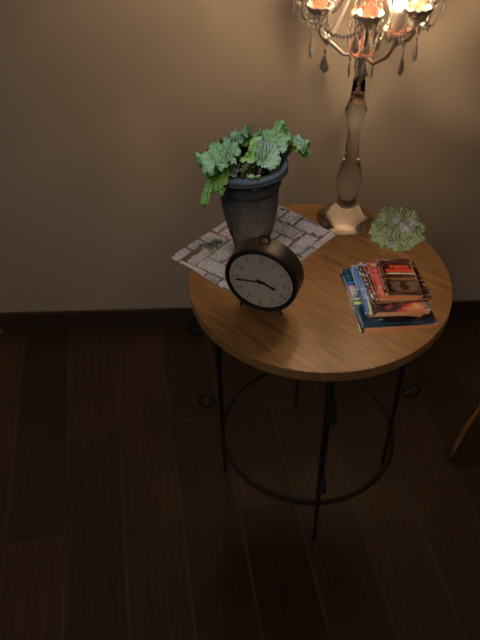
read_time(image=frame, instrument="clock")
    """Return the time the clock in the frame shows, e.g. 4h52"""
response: 3h44
